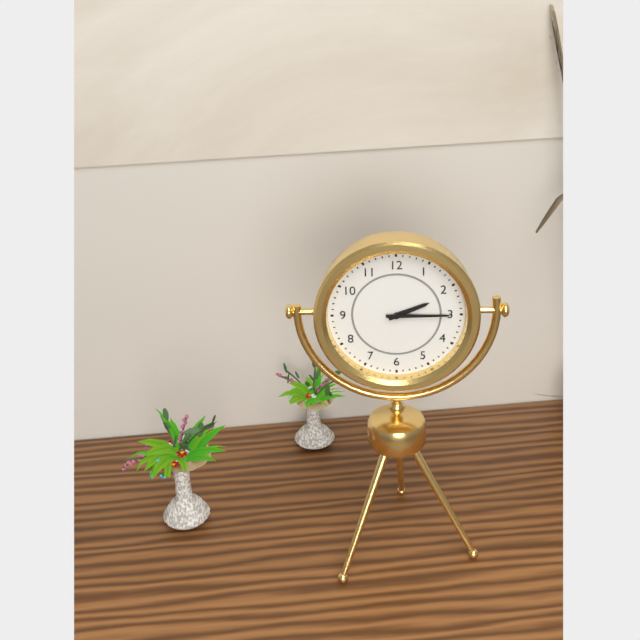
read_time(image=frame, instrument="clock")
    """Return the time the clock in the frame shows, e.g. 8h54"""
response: 2h15
